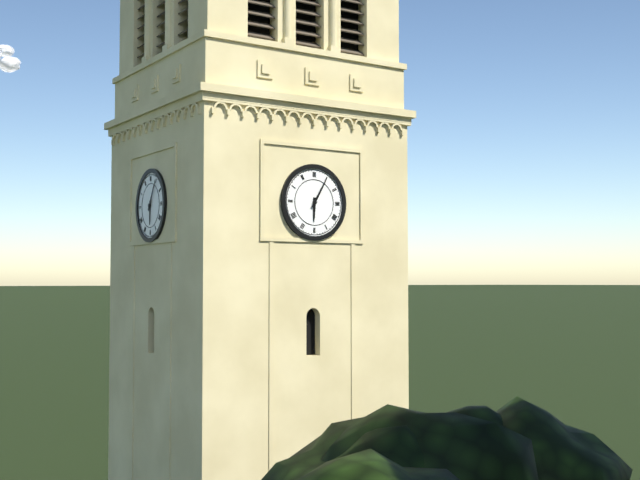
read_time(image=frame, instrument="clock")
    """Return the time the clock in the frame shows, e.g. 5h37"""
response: 6h05
